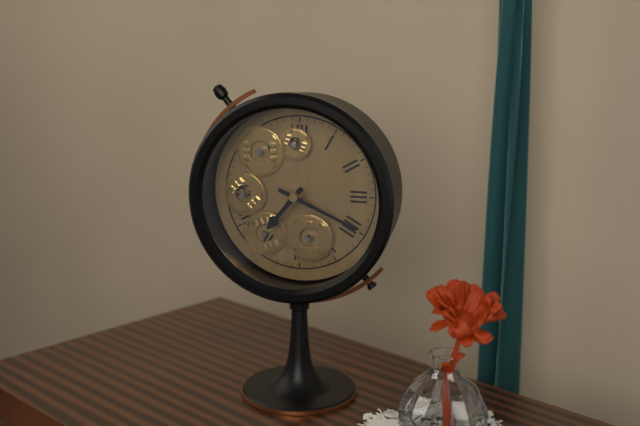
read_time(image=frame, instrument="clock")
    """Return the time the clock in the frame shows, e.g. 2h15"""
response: 7h19
